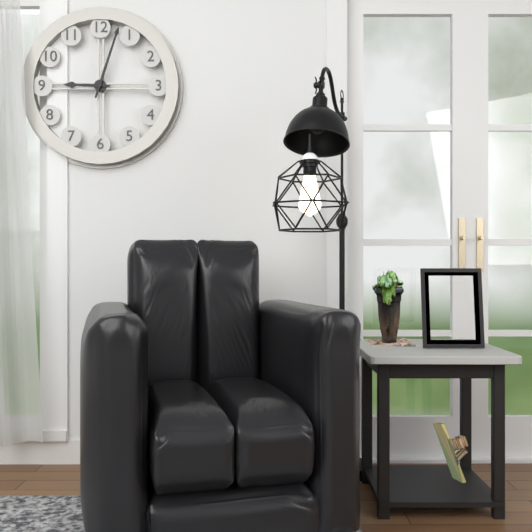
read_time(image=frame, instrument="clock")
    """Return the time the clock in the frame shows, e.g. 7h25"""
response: 9h03
